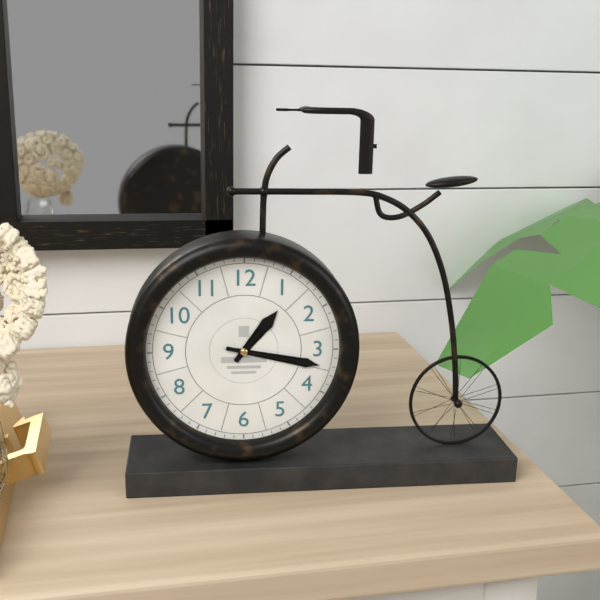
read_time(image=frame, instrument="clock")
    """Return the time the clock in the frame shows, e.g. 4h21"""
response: 1h17
